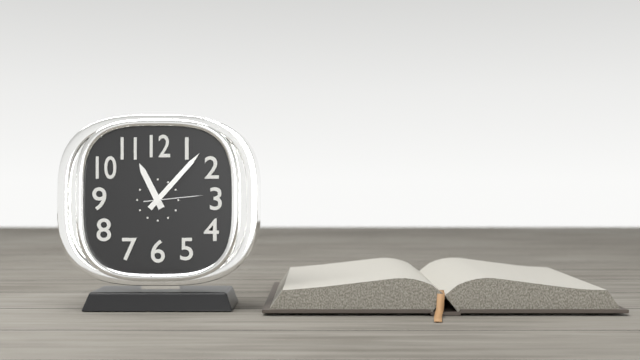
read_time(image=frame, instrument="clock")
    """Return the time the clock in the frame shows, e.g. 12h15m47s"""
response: 11h07m14s
